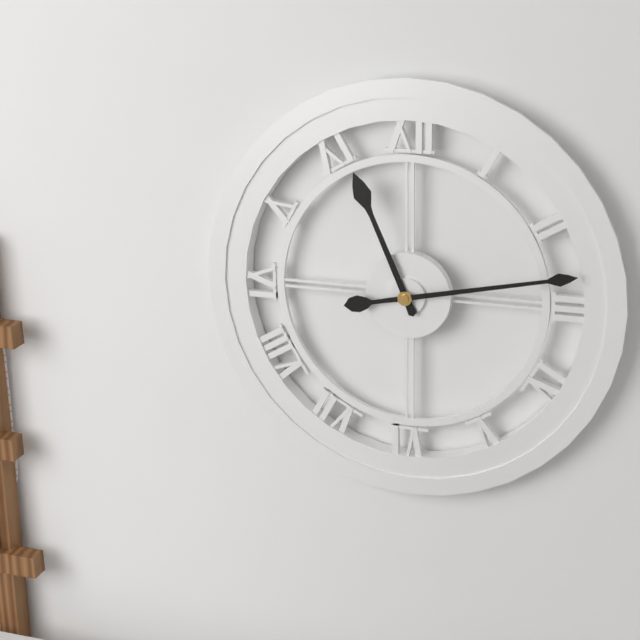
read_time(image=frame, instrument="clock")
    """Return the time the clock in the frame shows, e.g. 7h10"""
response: 11h13
